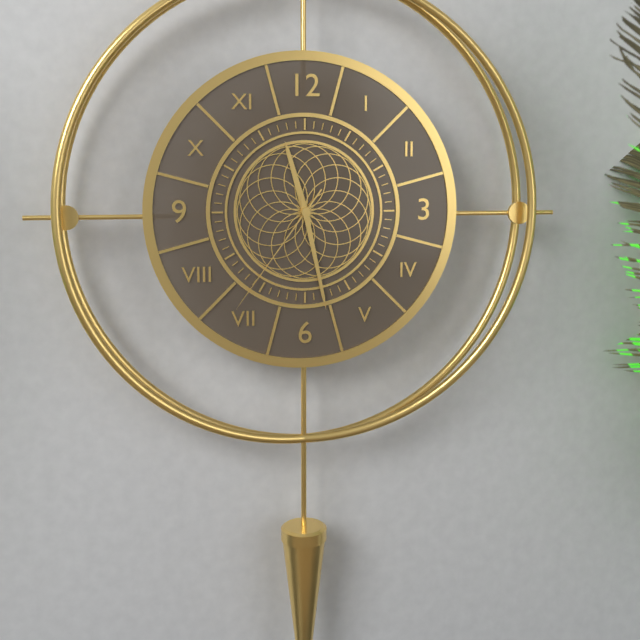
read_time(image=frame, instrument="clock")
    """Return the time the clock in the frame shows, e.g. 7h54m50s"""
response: 11h28m36s
